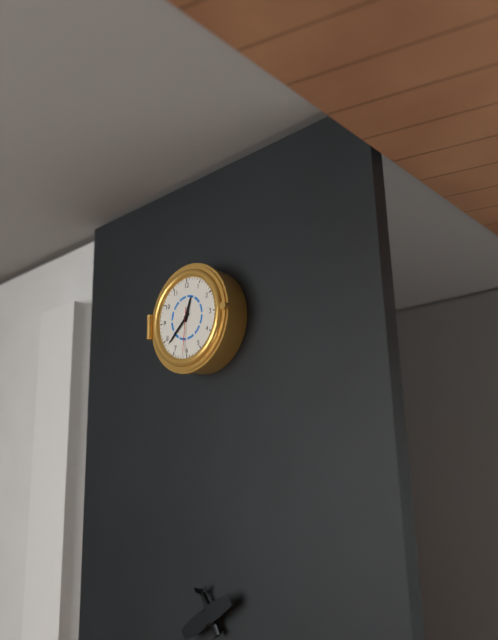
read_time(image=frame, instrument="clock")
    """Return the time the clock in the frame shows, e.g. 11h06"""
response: 12h38
